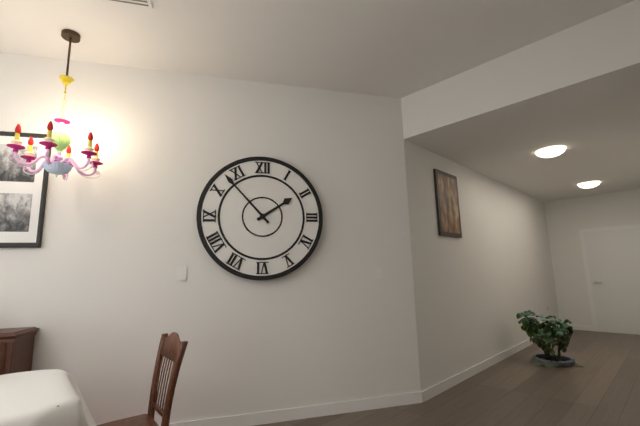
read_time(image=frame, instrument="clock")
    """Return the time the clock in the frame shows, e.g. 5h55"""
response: 1h53
